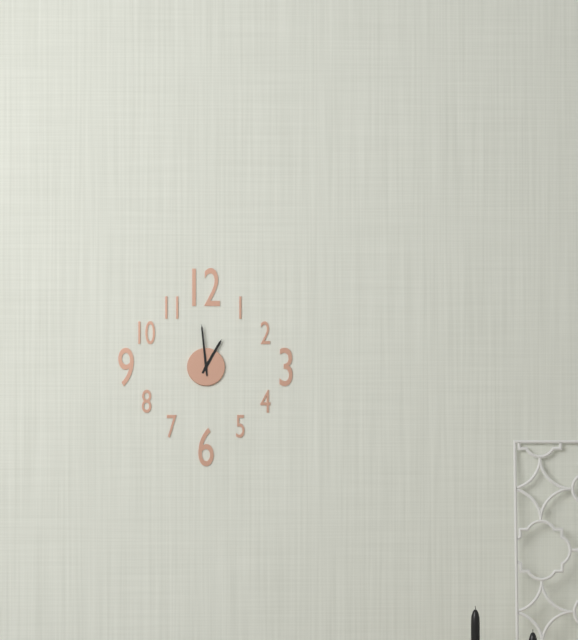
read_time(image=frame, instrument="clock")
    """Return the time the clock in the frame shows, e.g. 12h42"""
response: 12h59
